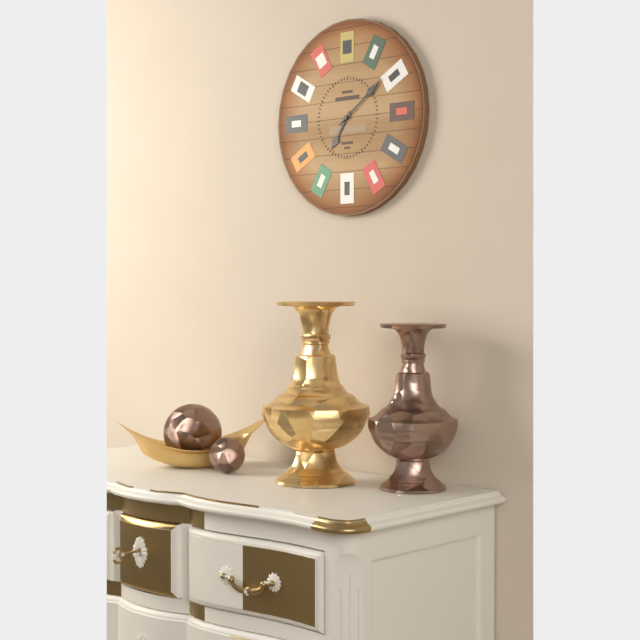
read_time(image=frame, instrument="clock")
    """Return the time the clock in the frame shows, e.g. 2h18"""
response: 7h09
